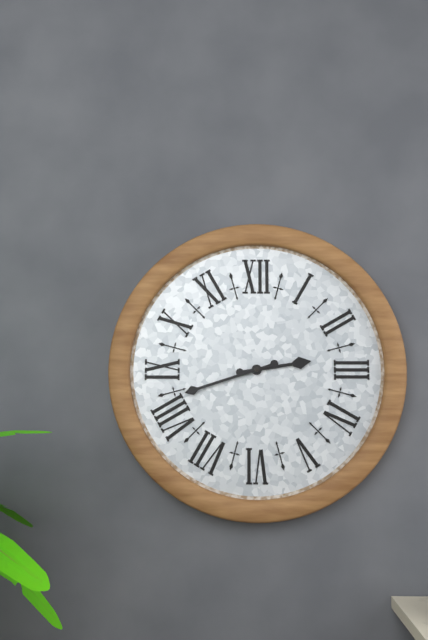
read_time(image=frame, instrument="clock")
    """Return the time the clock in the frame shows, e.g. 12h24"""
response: 2h42
